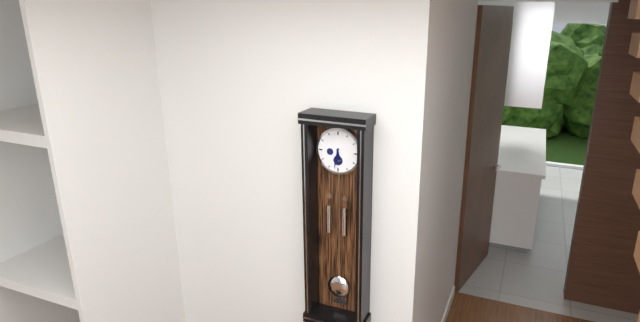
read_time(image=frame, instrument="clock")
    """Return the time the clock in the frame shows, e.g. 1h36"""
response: 5h32
